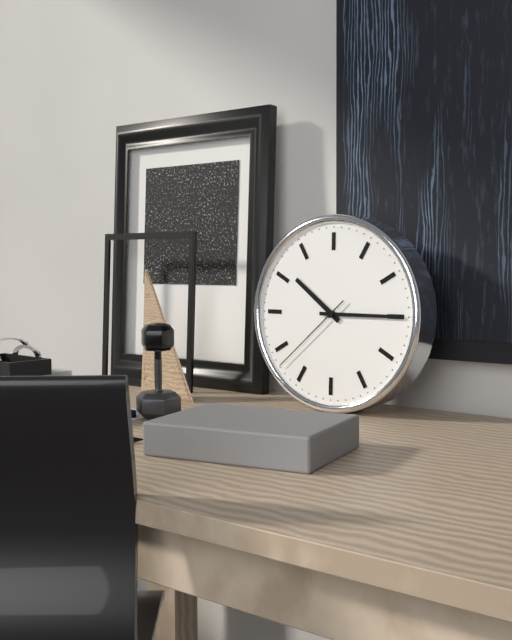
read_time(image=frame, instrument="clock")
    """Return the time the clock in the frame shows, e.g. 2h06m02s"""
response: 10h15m38s
